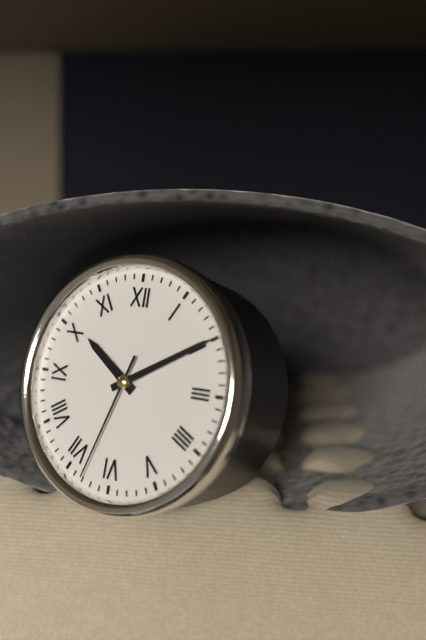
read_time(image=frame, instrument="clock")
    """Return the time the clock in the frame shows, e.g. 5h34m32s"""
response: 10h10m33s
